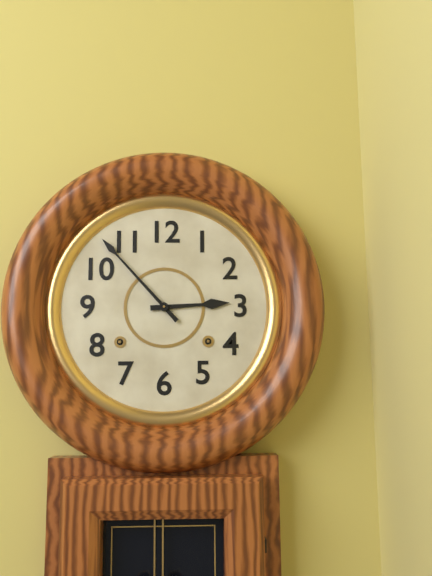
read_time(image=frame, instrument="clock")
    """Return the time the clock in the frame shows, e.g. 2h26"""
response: 2h53
